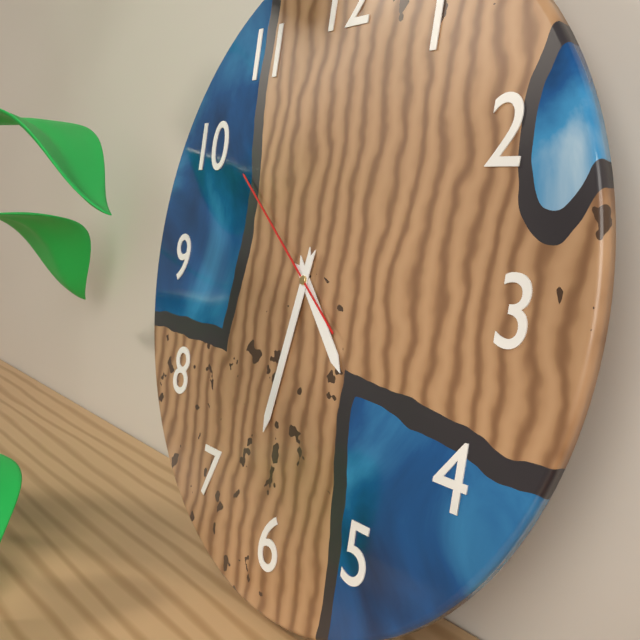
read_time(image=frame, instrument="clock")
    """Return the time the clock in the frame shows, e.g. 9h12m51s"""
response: 4h32m51s
